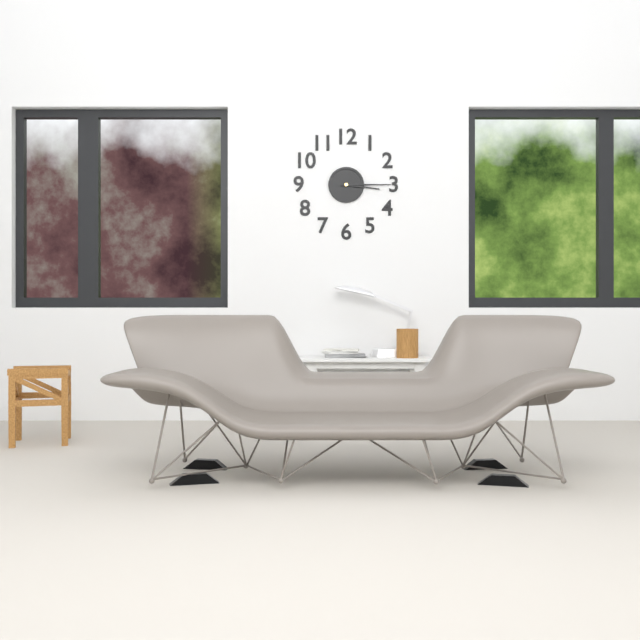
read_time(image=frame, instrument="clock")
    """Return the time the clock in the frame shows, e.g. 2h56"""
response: 3h15
